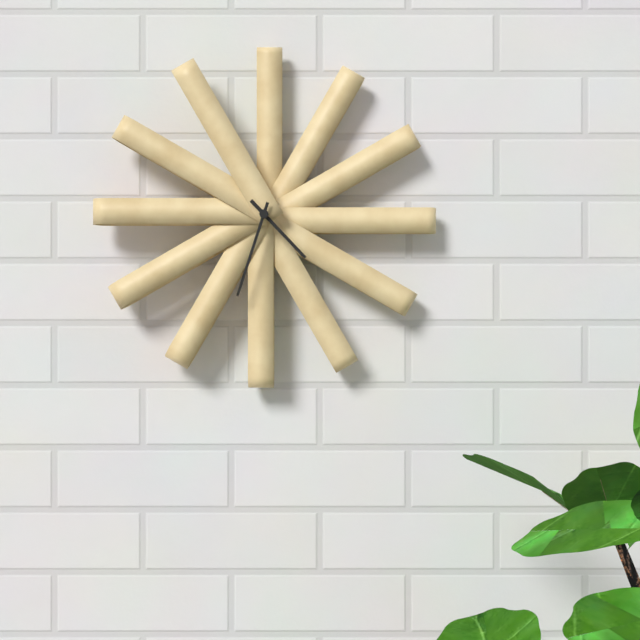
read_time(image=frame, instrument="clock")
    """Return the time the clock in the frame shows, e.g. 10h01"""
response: 4h33
